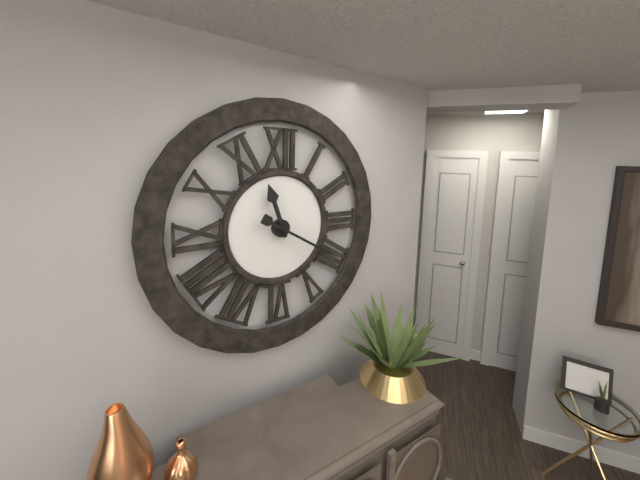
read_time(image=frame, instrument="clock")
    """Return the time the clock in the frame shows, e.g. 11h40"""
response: 11h20
